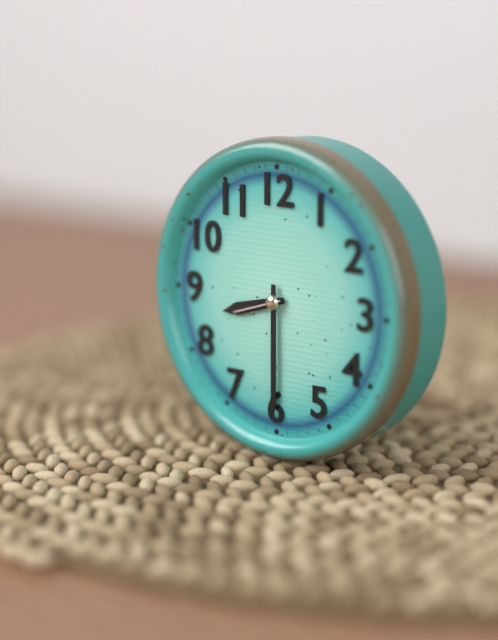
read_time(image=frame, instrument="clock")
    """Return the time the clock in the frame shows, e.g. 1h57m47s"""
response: 8h30m42s
